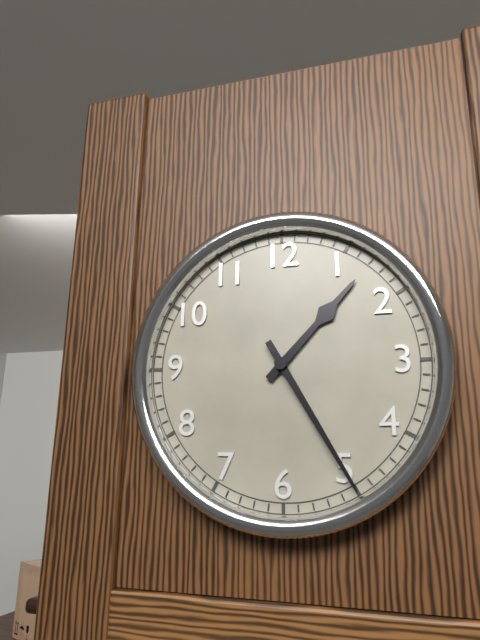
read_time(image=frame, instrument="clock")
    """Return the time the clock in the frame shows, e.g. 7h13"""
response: 1h25
